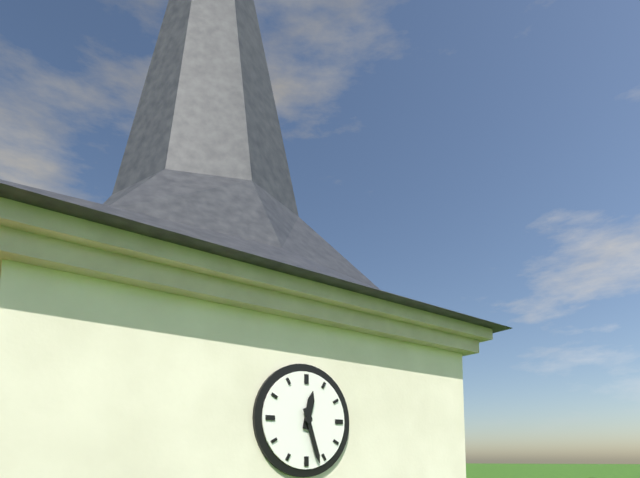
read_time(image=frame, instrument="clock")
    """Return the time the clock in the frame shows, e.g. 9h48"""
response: 12h27
